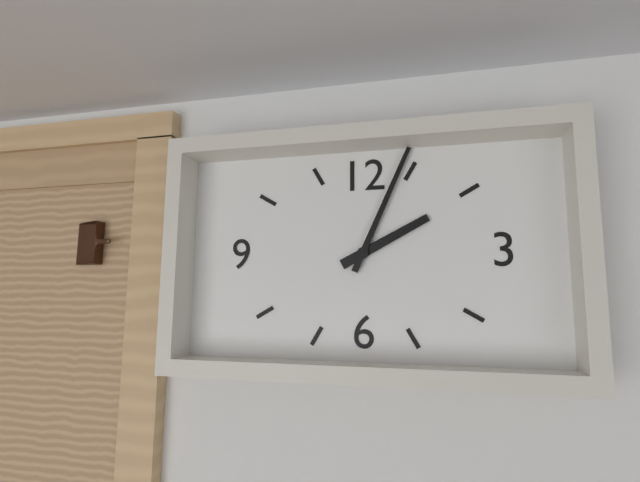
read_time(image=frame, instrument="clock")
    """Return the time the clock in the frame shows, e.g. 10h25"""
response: 2h04
